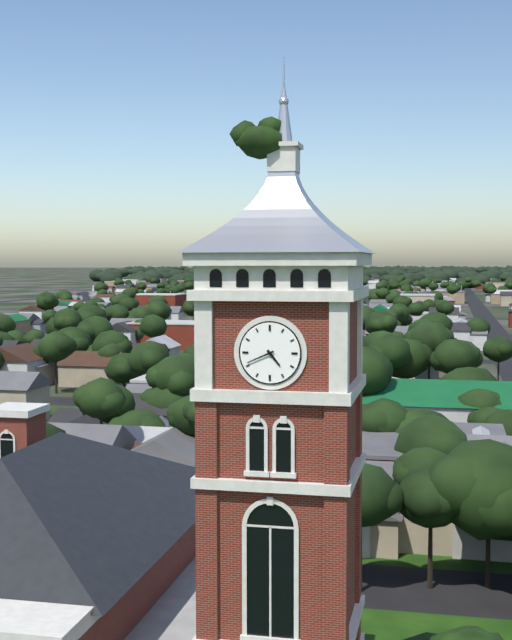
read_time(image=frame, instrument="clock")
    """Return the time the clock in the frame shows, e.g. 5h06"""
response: 4h41
